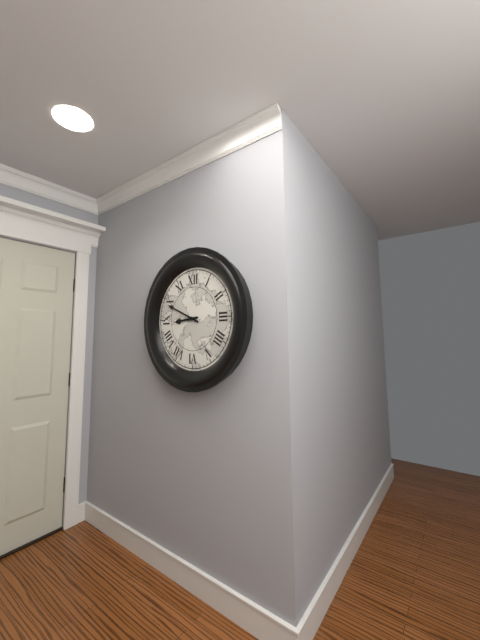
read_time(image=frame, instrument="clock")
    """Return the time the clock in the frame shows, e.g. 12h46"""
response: 8h49
